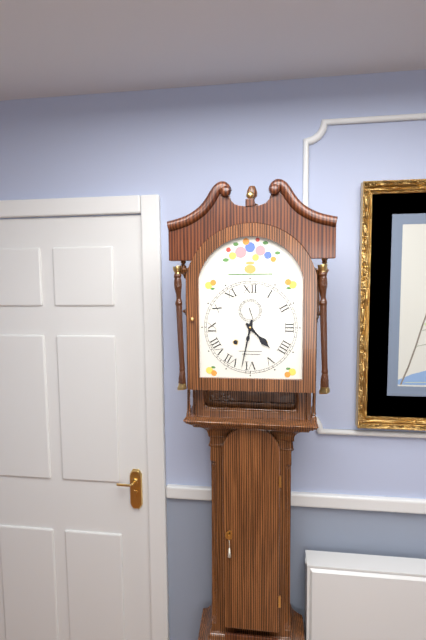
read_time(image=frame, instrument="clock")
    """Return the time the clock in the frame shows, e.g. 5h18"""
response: 4h32
